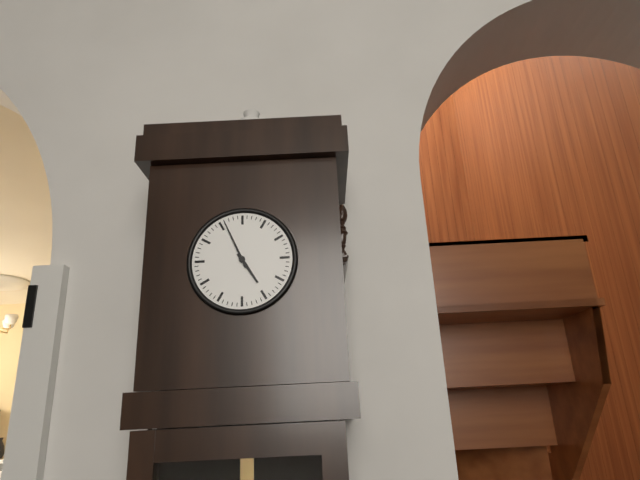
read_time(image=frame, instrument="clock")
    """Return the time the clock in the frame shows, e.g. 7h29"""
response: 4h56
